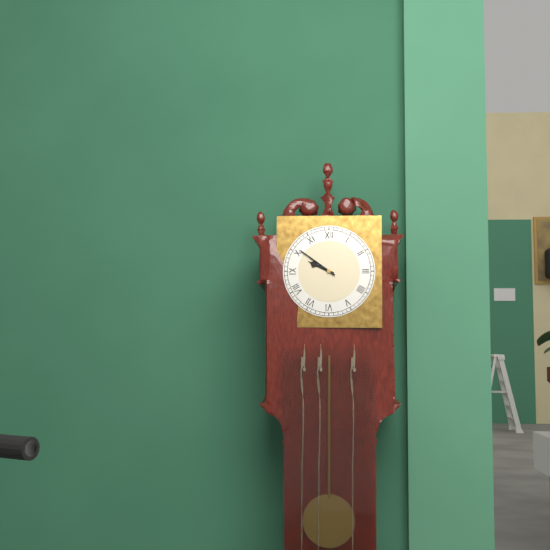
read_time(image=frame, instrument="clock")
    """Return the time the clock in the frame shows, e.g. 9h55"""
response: 9h51
